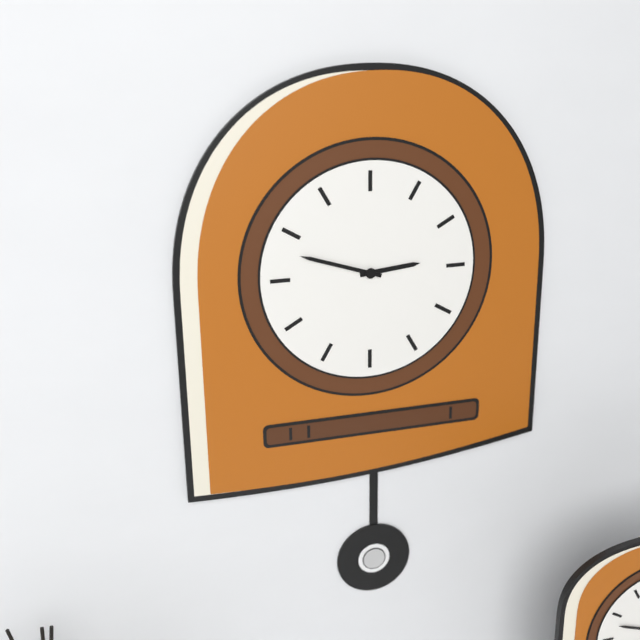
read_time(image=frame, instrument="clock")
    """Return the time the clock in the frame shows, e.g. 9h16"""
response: 2h48
